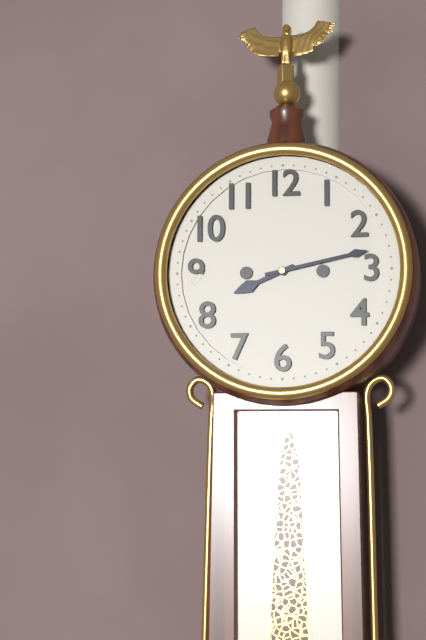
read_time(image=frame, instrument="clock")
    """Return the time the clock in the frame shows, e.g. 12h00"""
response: 8h13
